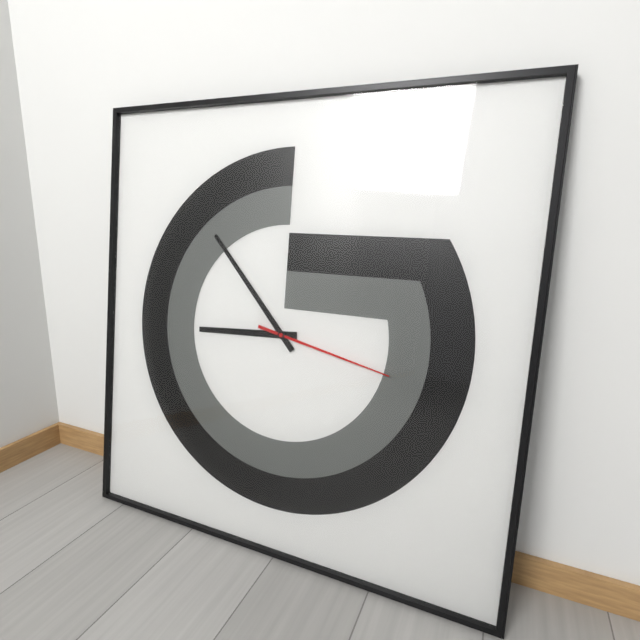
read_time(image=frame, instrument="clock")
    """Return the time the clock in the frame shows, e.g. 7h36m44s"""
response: 8h53m17s
